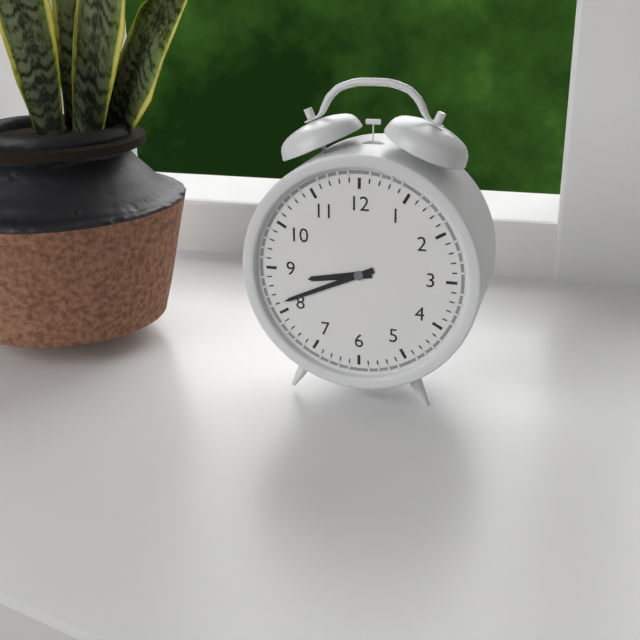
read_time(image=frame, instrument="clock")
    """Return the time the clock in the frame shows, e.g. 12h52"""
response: 8h41
